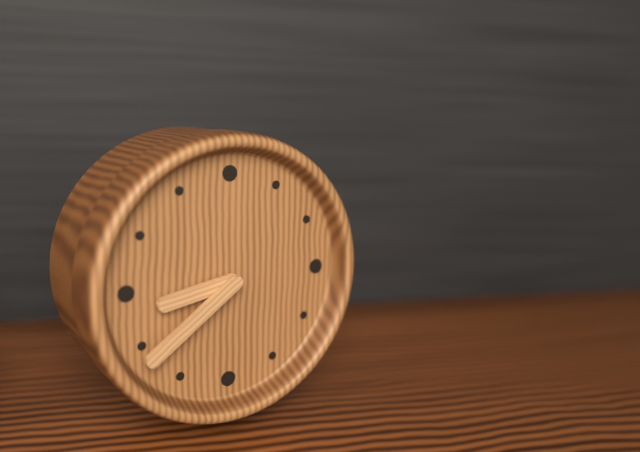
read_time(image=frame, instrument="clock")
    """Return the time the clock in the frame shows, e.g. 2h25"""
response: 8h39
